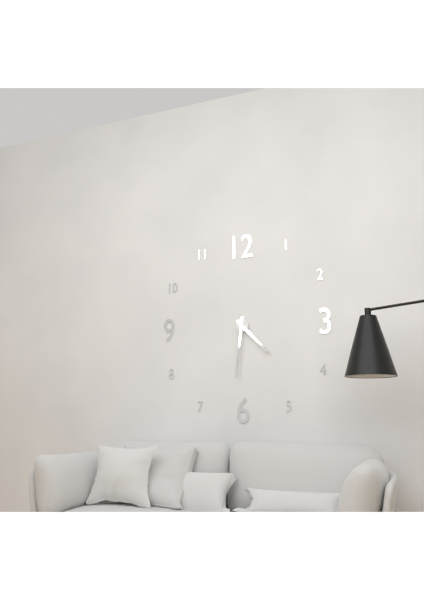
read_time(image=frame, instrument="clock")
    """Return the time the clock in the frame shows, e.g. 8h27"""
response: 4h31
